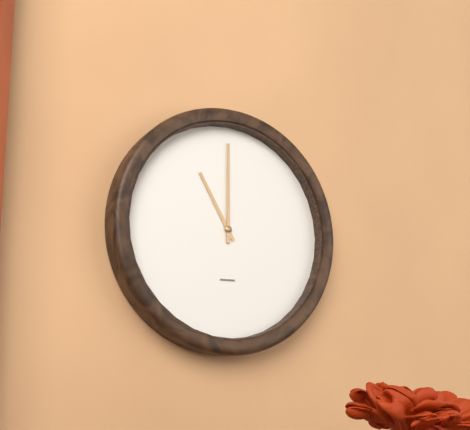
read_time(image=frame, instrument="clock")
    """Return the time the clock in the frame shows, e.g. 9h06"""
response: 11h00
